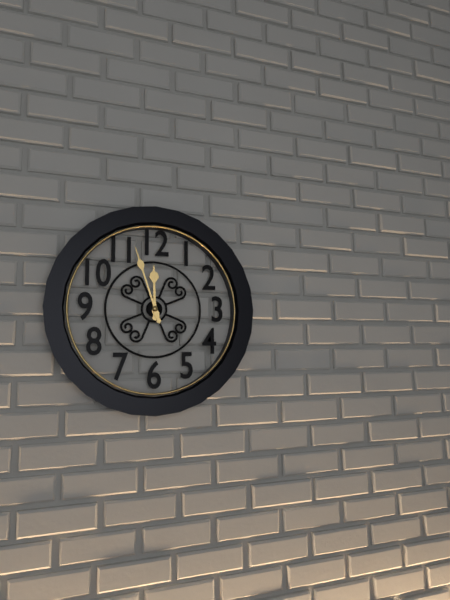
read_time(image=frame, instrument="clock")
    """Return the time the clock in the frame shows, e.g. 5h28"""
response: 11h57
